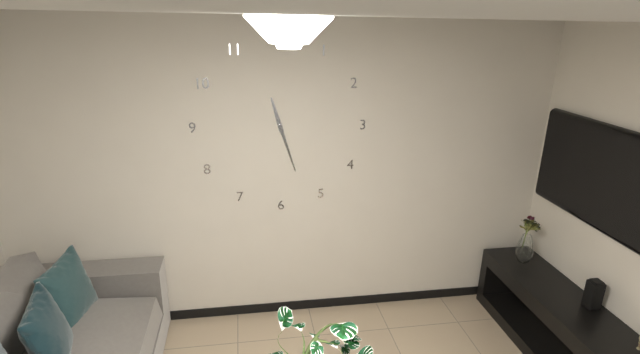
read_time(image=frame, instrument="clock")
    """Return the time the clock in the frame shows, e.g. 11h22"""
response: 11h27
